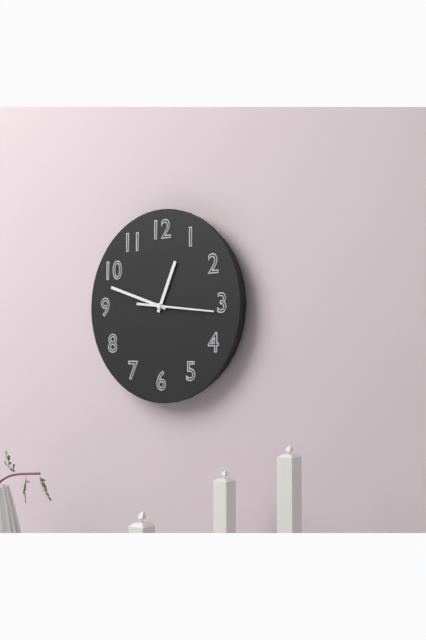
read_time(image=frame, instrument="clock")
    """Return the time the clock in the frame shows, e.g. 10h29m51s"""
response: 12h48m16s
